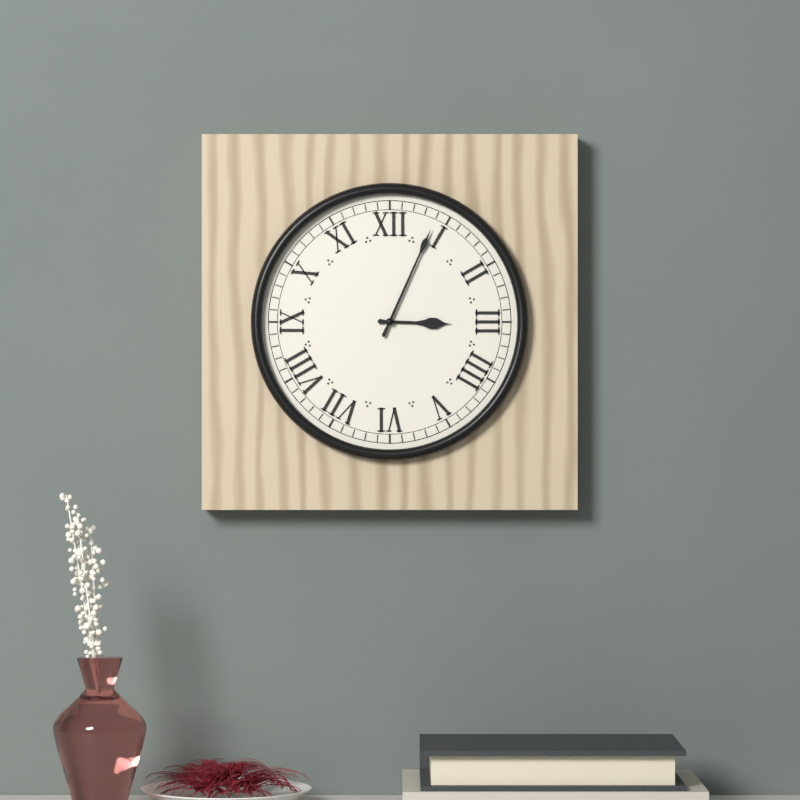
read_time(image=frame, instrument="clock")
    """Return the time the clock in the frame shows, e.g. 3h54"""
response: 3h04
